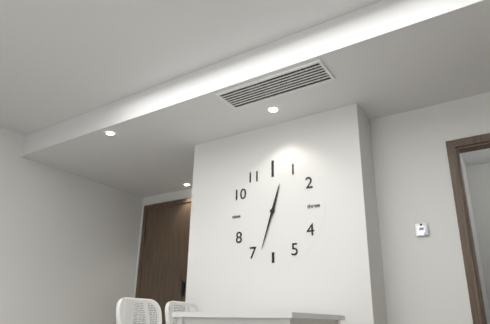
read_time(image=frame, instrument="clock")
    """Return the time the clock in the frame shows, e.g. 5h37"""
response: 12h33
